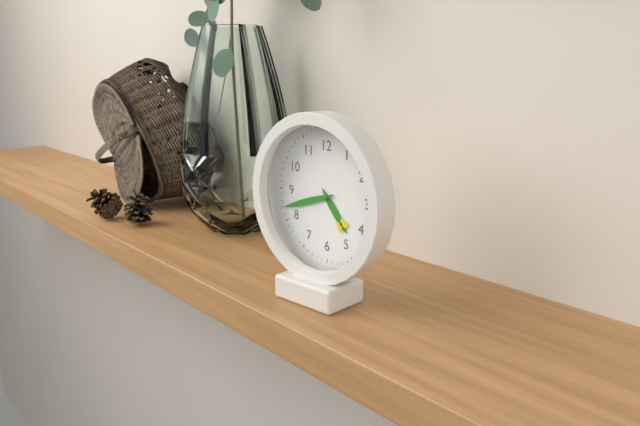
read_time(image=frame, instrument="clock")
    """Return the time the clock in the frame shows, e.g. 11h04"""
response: 4h42
